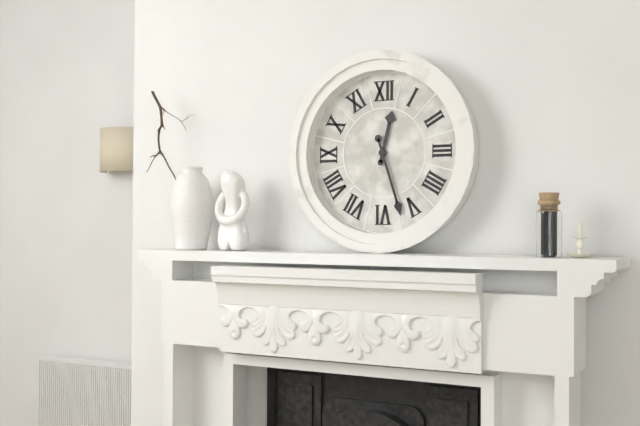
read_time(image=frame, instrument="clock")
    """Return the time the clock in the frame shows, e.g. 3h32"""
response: 12h27
